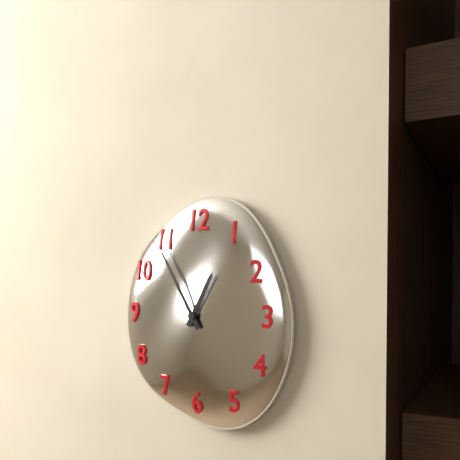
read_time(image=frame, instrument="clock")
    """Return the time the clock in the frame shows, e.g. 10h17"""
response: 12h55
